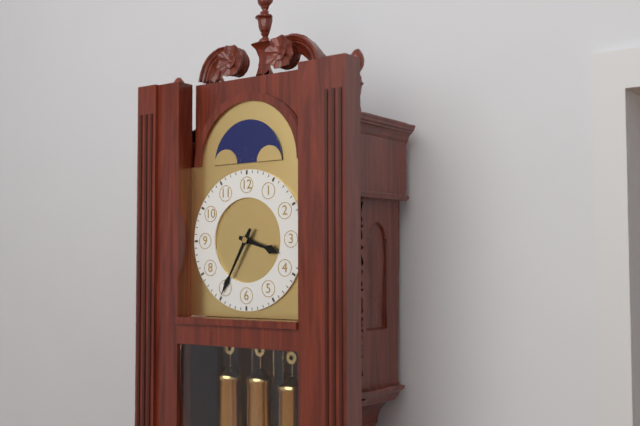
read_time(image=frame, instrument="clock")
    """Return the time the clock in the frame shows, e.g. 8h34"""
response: 3h35
